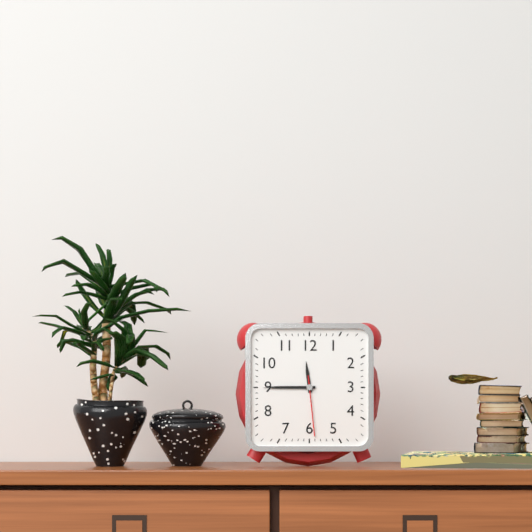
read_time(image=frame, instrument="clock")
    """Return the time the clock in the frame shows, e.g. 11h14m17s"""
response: 11h45m29s
